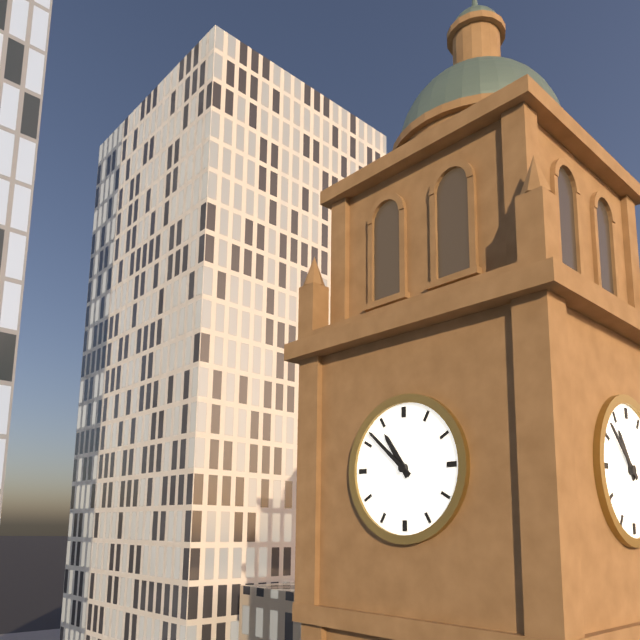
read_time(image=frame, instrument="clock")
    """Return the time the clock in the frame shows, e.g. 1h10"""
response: 10h52
